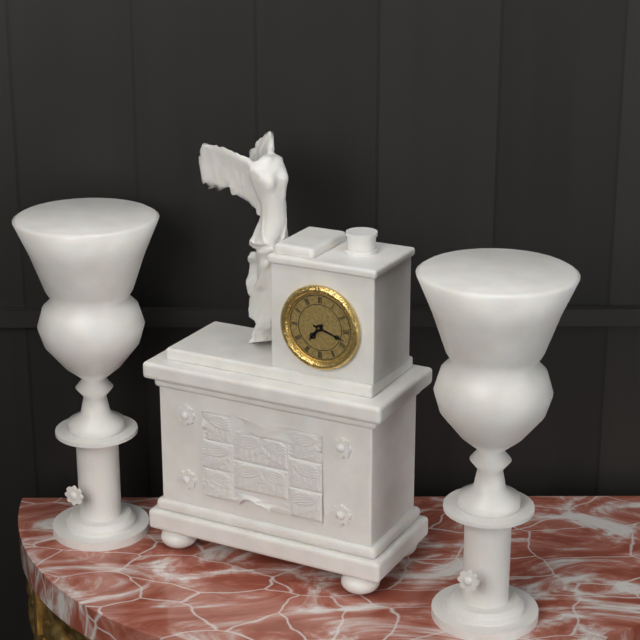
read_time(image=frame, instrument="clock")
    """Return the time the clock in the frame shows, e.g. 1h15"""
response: 7h18
